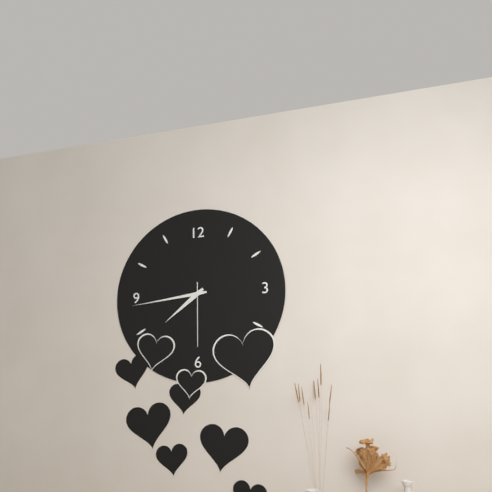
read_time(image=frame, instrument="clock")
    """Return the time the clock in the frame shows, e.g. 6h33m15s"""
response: 7h44m30s
